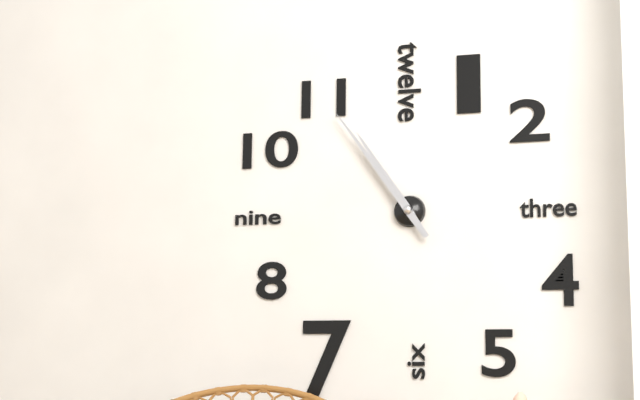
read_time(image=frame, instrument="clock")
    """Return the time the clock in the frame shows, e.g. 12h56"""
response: 10h54
